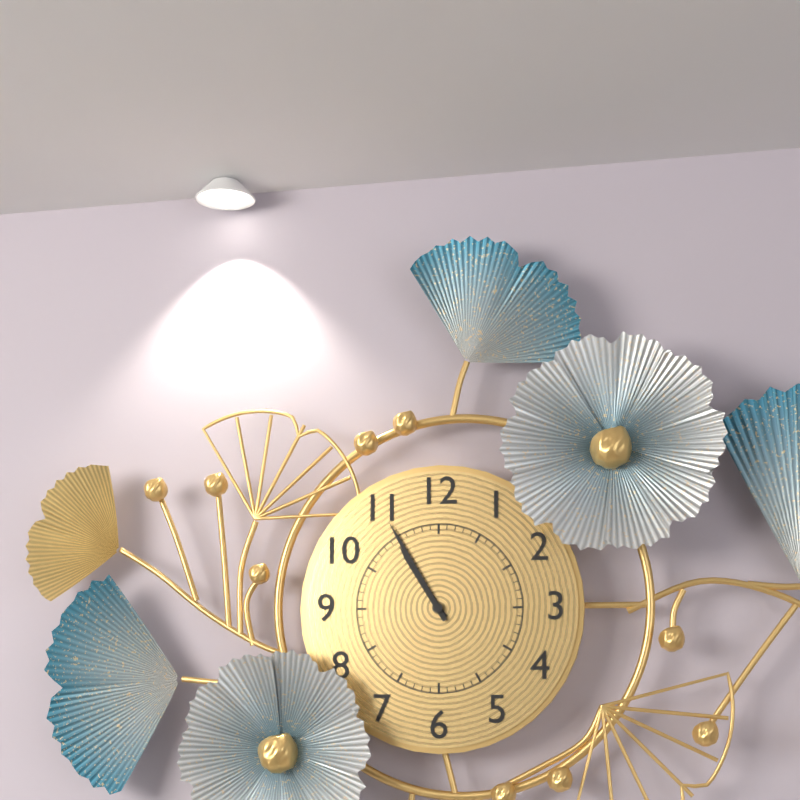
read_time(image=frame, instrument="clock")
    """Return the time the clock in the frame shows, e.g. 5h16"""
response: 10h55
